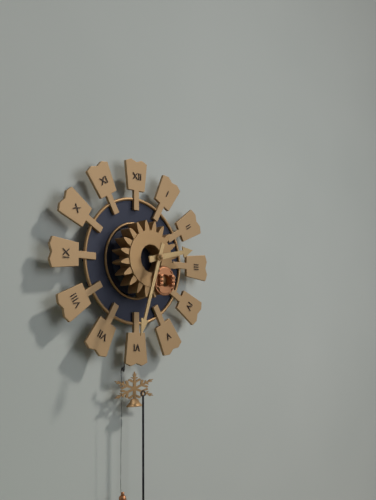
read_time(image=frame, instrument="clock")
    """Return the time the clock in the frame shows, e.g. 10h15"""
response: 2h33
